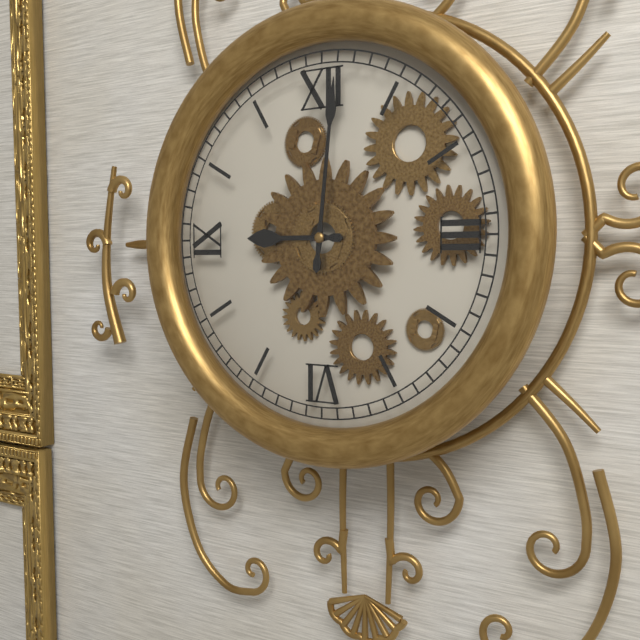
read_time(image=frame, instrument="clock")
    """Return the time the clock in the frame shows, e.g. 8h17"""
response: 9h01
